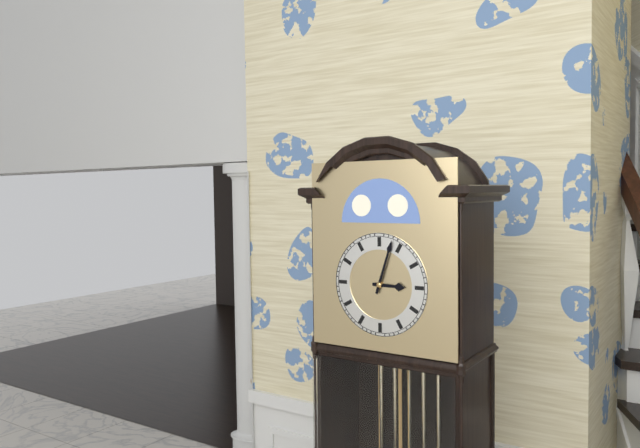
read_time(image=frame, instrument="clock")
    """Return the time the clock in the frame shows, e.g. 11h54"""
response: 3h03
